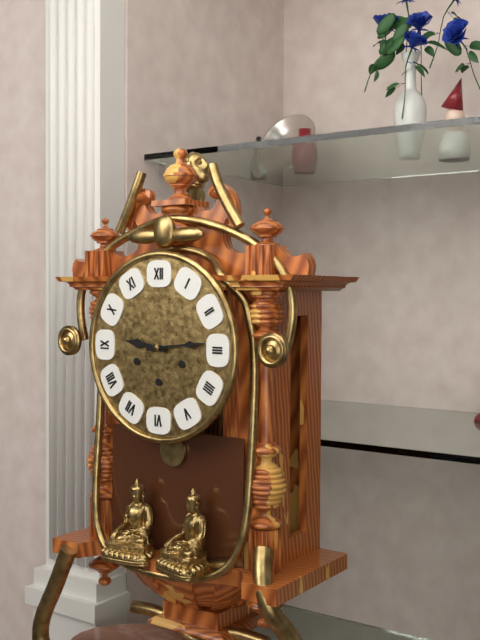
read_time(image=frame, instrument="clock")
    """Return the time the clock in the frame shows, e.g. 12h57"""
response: 9h14
